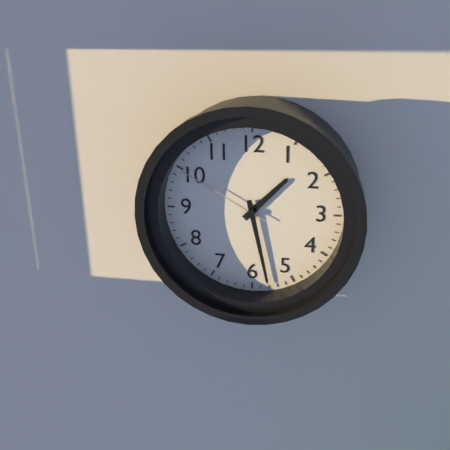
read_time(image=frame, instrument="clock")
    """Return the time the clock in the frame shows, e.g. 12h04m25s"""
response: 1h28m50s
